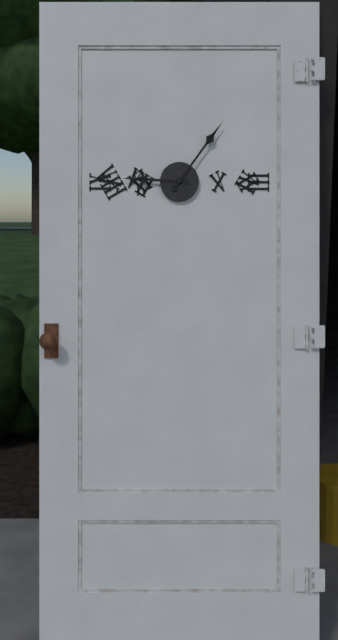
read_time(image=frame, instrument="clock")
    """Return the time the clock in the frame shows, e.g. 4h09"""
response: 9h06
